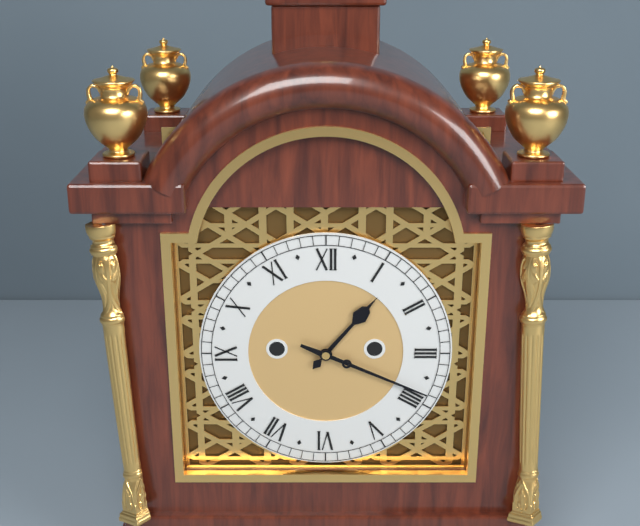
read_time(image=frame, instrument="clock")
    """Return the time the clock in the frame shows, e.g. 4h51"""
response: 1h19
